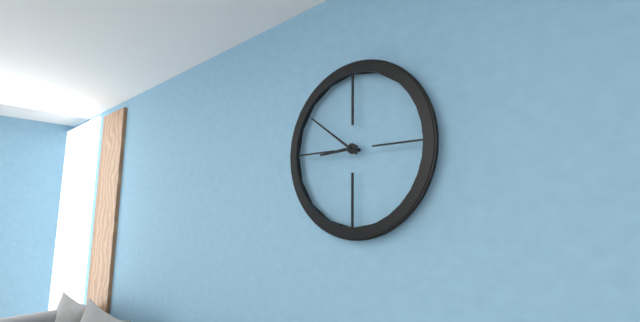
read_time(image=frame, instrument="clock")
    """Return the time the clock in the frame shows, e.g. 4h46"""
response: 8h51
